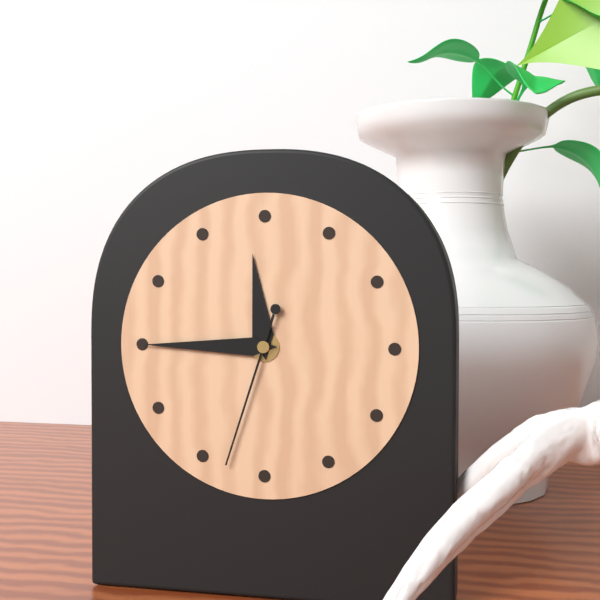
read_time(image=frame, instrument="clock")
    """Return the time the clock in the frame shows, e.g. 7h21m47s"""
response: 11h45m33s
